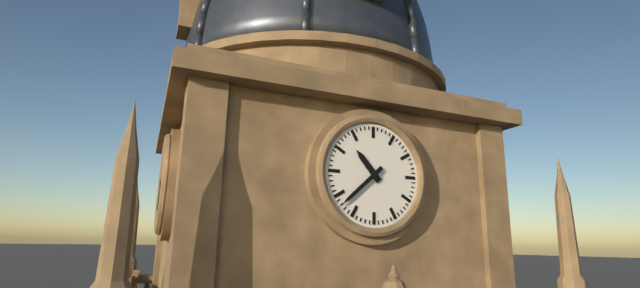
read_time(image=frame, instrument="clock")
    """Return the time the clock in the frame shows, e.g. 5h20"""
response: 10h38
